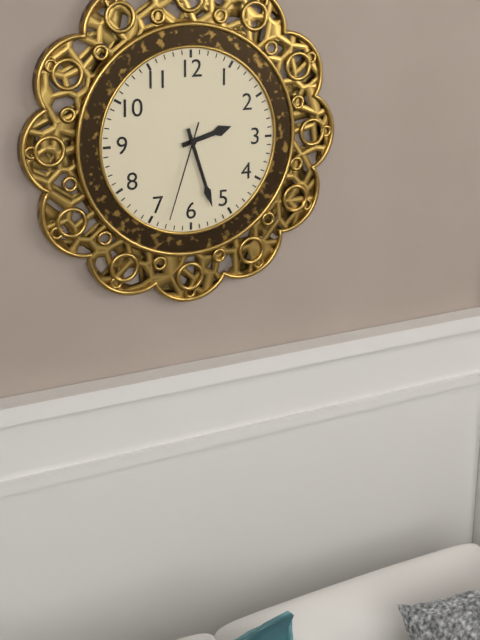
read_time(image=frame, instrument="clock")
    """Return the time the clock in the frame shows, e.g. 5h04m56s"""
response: 2h27m33s
